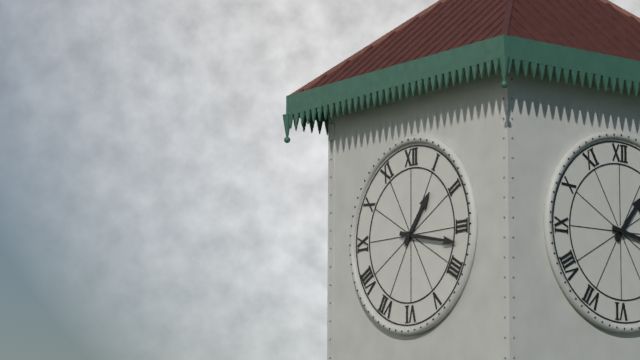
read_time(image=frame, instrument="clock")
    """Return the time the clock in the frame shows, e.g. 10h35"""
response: 1h17
